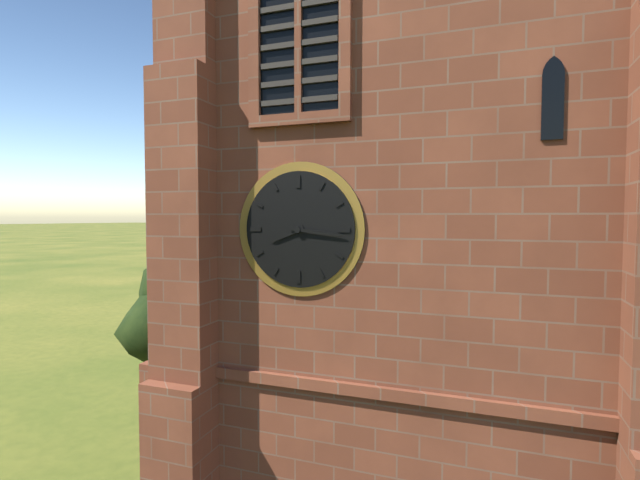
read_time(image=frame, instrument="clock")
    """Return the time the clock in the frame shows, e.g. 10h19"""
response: 8h16
